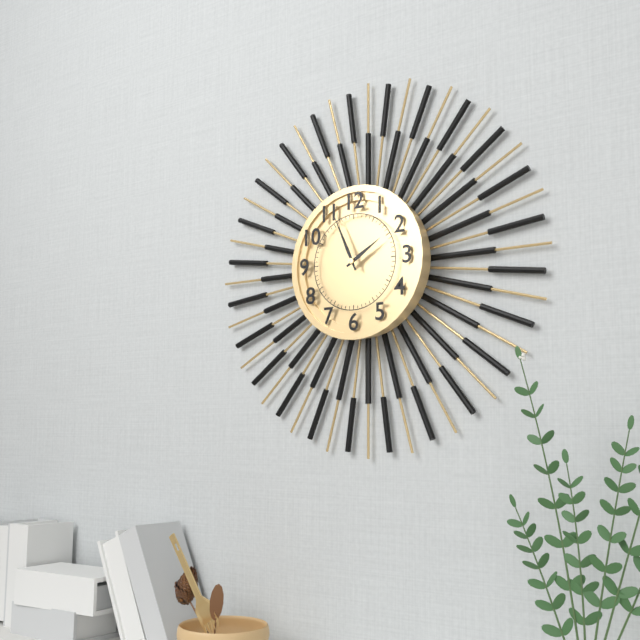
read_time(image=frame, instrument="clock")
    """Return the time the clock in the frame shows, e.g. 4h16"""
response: 1h56
